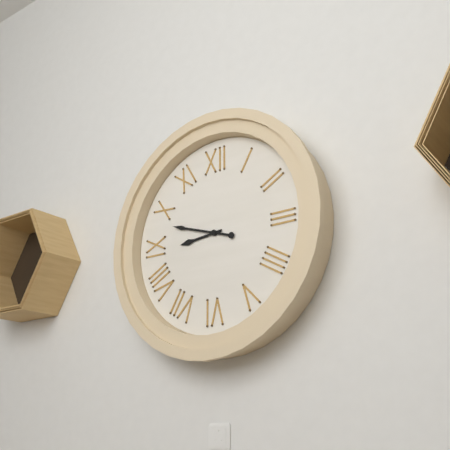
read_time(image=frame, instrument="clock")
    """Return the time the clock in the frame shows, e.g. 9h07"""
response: 8h48
